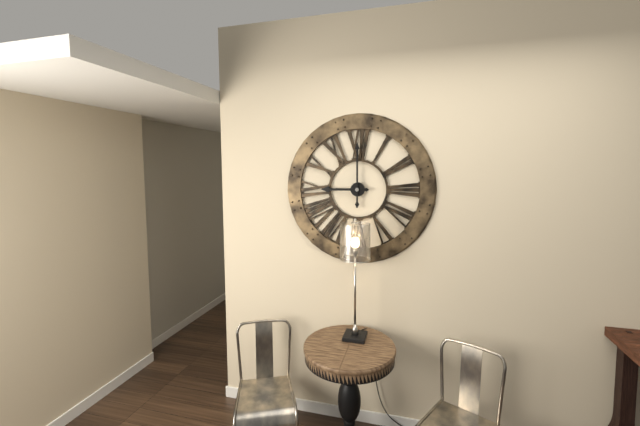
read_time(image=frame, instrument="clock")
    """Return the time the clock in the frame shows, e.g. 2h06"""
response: 9h00
